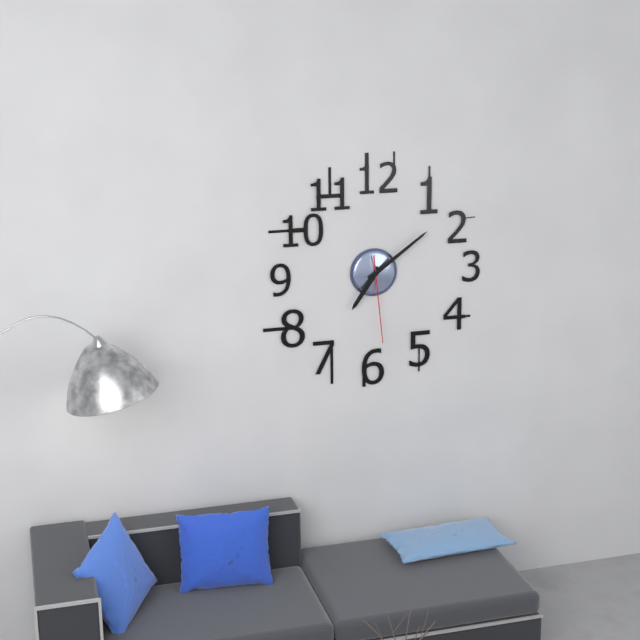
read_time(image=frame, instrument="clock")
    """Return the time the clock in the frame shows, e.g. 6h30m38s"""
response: 7h09m29s
